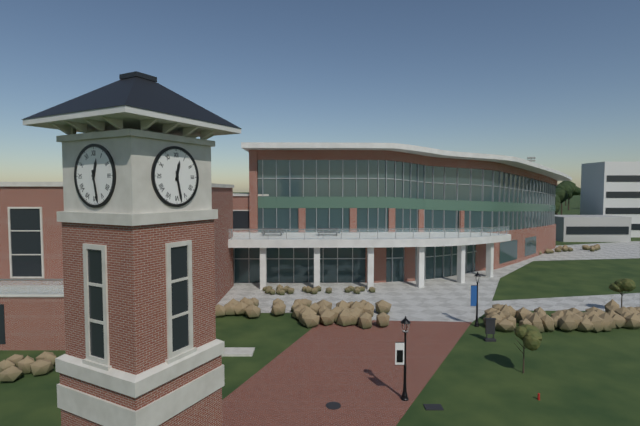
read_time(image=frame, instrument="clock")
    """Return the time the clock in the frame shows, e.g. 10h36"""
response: 12h28
